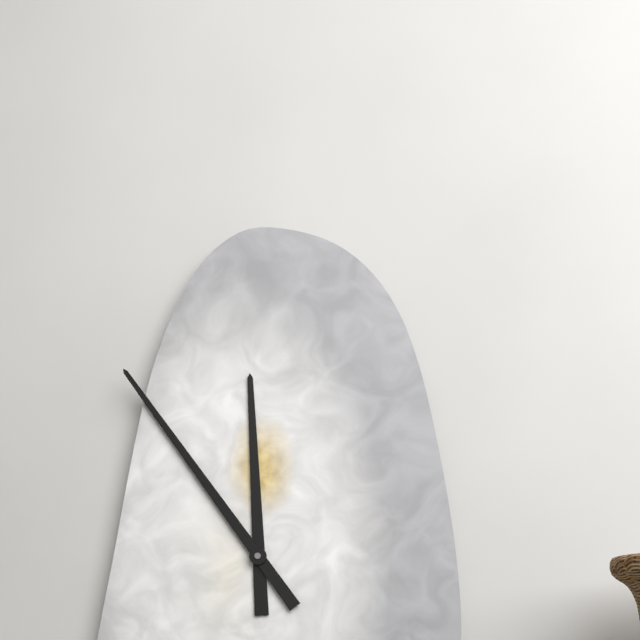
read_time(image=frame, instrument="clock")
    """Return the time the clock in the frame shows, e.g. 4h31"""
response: 11h54
